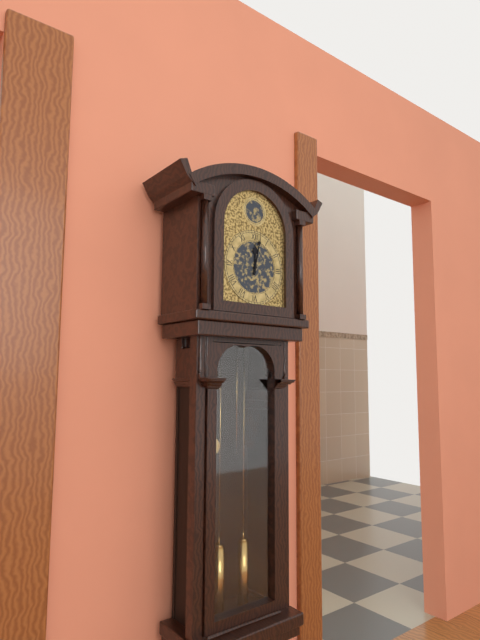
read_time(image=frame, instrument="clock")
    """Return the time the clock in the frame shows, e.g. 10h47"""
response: 12h02
